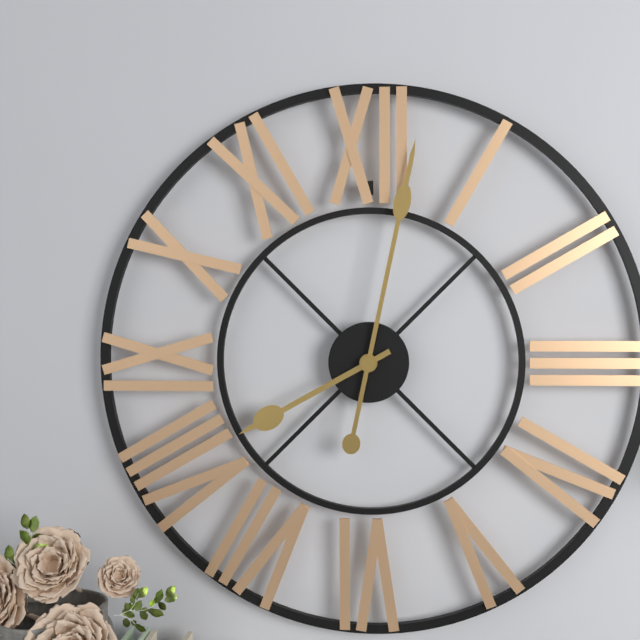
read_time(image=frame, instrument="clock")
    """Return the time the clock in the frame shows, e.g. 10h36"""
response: 8h02
